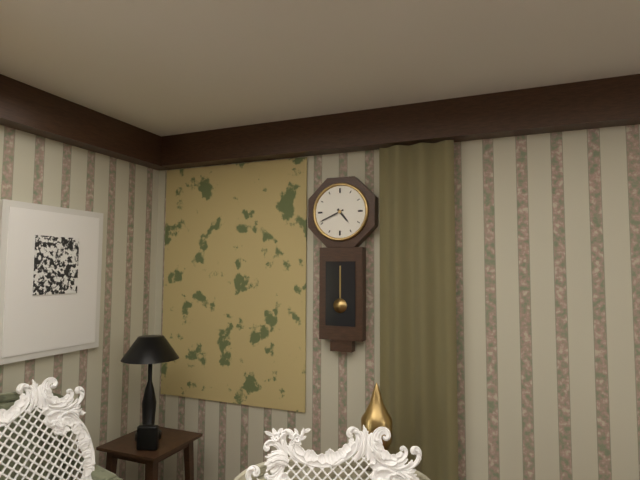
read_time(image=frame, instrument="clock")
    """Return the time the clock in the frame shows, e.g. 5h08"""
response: 4h41
